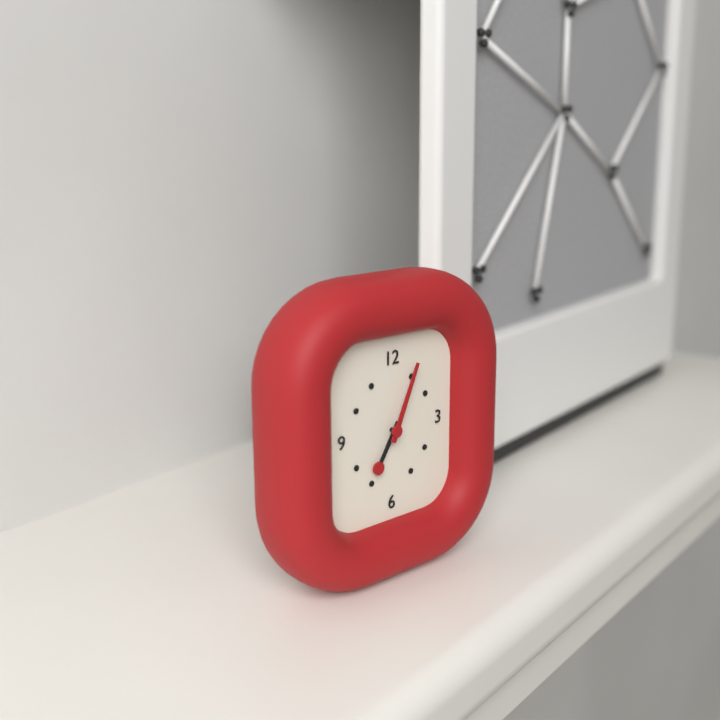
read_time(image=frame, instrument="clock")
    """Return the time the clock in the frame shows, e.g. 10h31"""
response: 7h04
